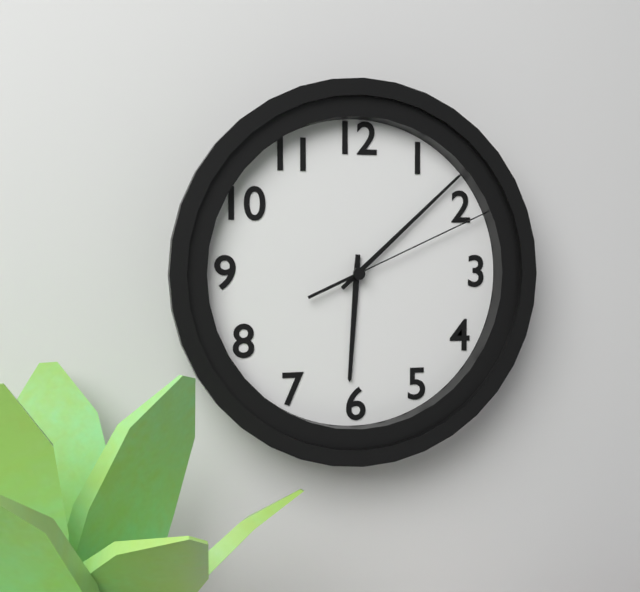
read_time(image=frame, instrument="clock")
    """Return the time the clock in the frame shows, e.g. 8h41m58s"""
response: 6h08m11s
